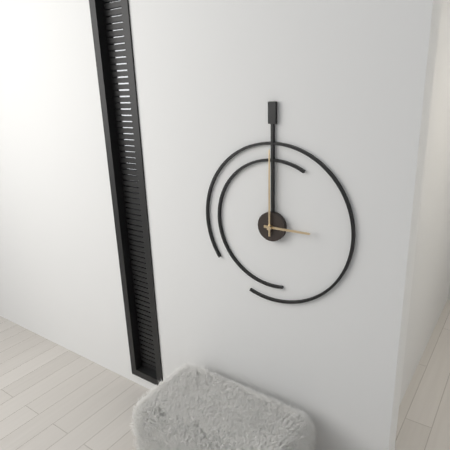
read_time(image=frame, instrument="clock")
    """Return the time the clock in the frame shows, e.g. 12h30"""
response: 3h00
